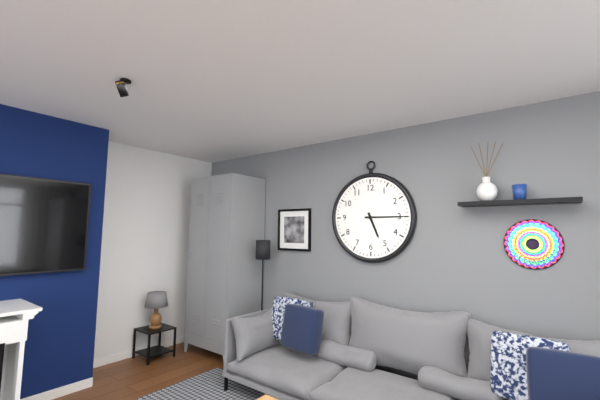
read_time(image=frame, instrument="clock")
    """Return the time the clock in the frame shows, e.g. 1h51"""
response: 5h15
